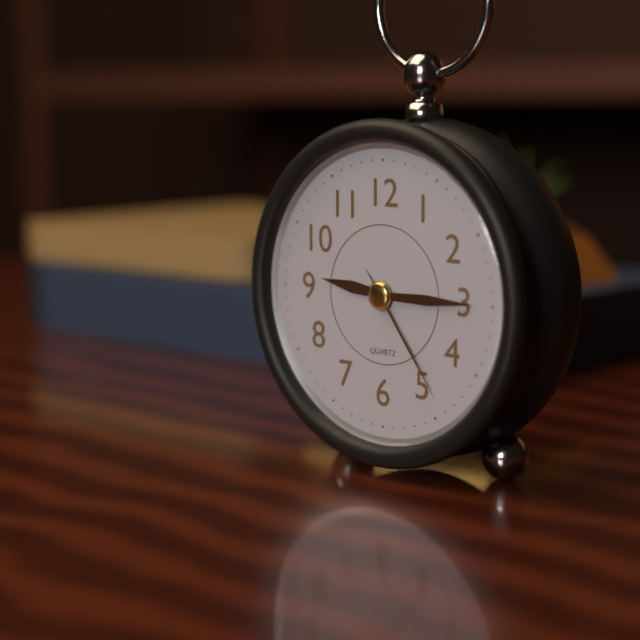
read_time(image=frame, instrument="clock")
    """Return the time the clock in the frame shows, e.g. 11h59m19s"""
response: 9h15m24s
